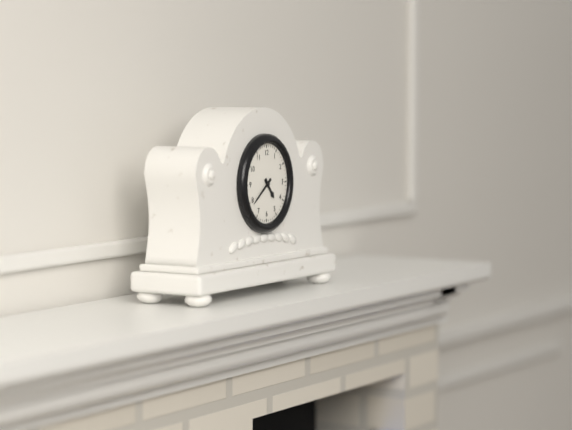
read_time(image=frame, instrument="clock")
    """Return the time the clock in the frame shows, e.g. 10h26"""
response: 4h39
